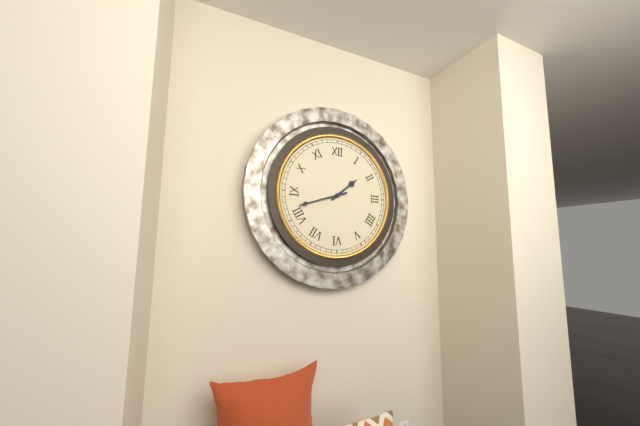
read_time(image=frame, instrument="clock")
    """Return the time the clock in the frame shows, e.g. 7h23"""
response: 1h42
